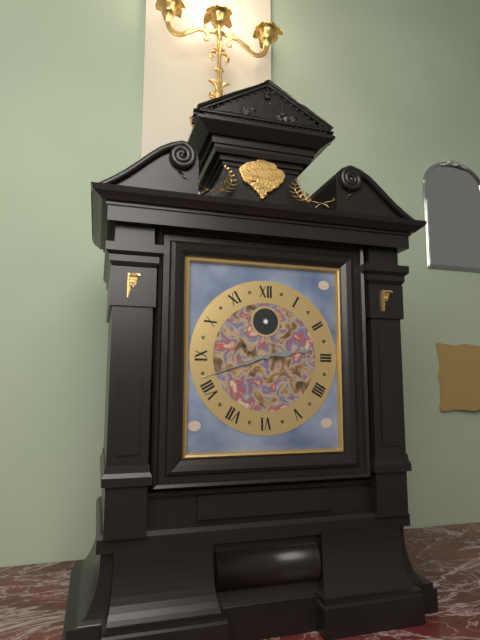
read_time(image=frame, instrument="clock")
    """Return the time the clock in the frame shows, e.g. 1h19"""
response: 2h42
